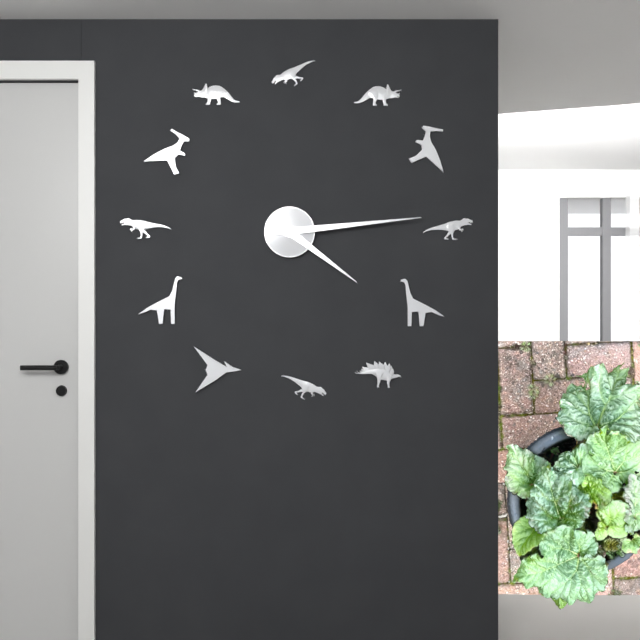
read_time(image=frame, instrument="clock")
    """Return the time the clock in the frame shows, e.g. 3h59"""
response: 4h14
